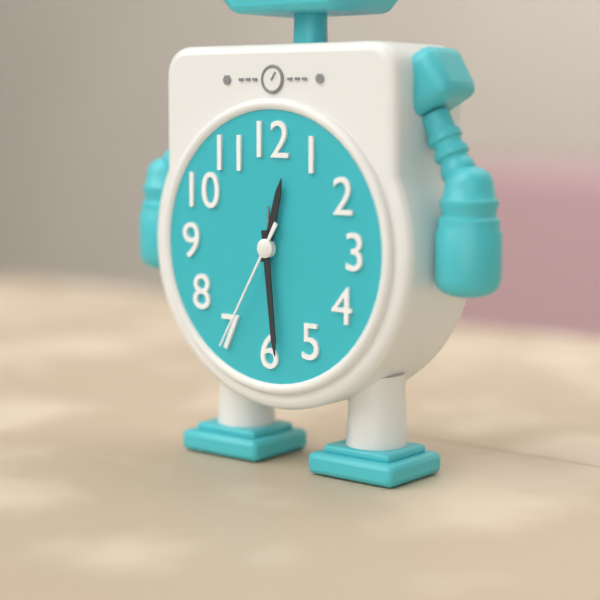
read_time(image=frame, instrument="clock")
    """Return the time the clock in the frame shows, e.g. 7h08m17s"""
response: 12h29m35s
